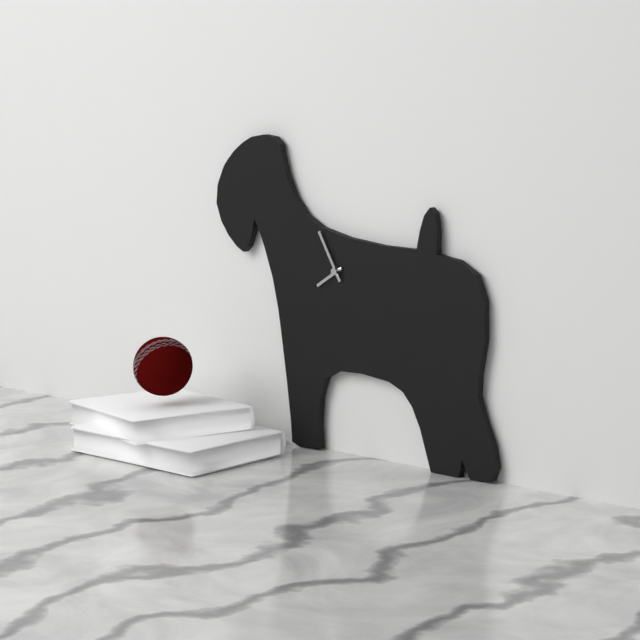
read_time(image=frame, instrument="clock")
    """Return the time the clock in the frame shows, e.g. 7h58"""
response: 7h55
